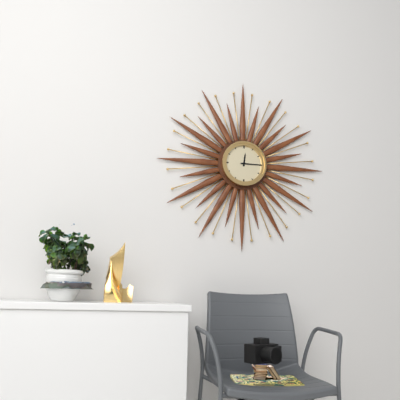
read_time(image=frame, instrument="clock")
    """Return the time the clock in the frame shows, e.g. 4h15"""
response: 12h15
